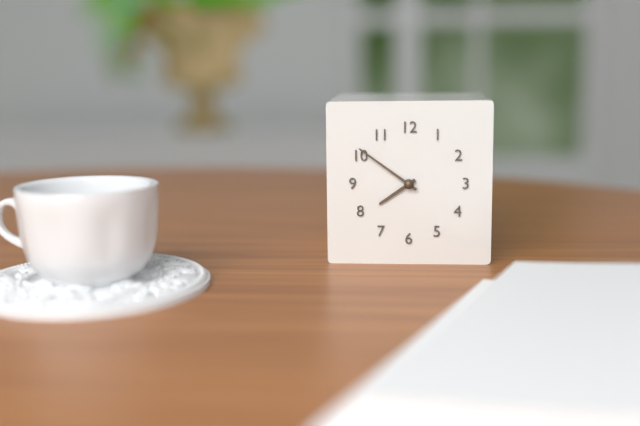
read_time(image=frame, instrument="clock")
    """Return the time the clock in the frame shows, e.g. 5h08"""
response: 7h51
